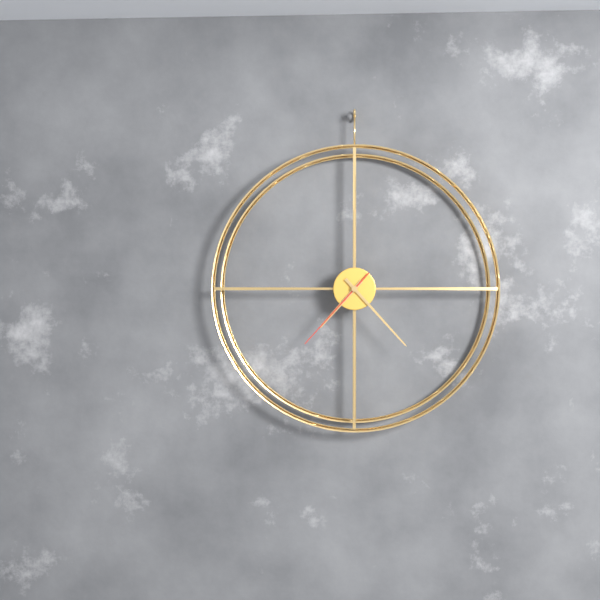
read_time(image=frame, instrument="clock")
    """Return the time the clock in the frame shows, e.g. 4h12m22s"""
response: 7h23m37s
